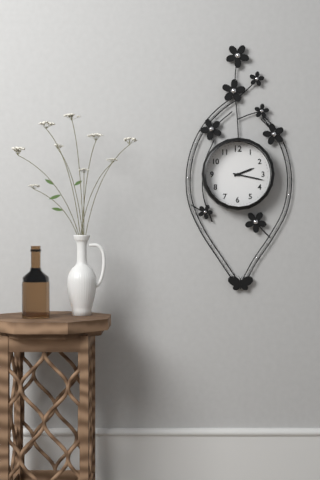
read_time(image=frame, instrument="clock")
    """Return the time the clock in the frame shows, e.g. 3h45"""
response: 2h17
